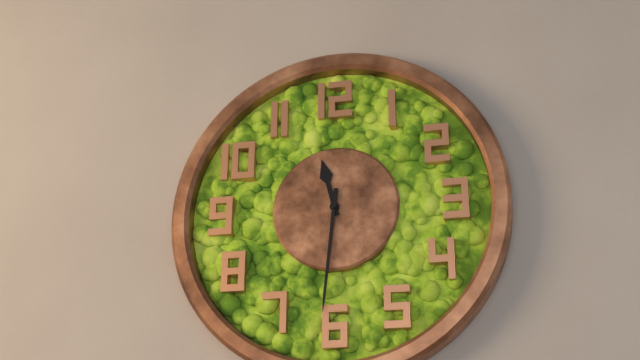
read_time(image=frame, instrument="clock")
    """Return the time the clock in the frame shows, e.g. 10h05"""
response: 11h31
